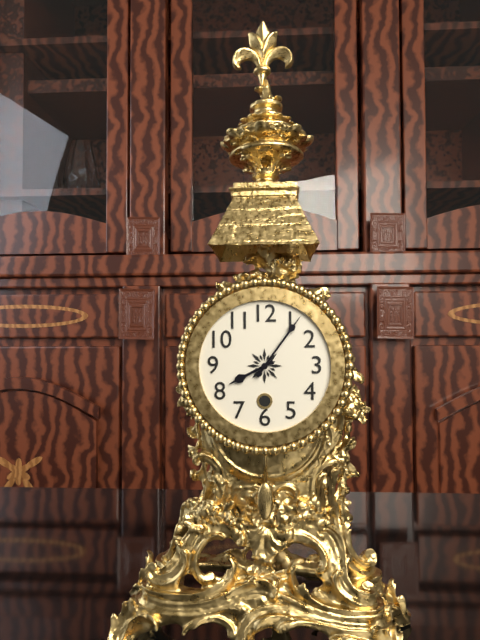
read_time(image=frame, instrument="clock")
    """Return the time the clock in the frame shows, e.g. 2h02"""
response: 8h06
